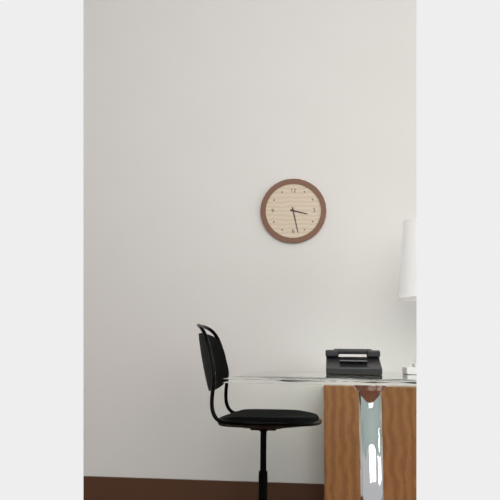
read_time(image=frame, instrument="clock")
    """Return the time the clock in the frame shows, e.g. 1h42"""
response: 3h28
